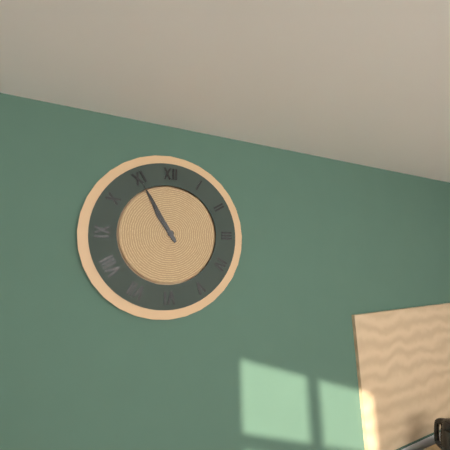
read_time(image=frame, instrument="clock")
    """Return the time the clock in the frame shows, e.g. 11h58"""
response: 10h55
